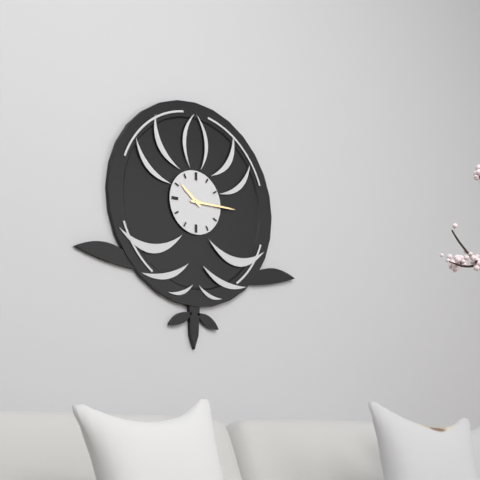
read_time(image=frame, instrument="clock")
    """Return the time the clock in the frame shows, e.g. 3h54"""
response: 10h15
